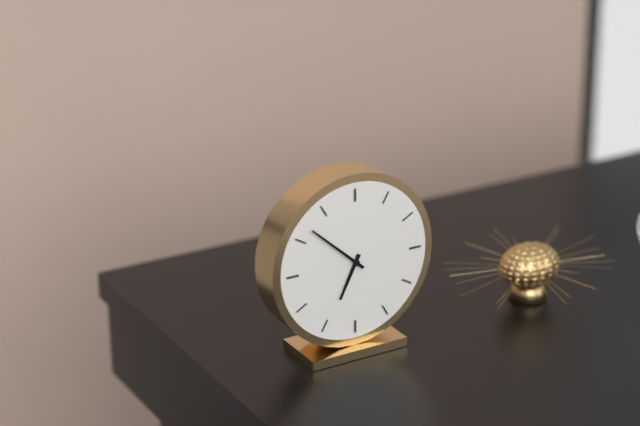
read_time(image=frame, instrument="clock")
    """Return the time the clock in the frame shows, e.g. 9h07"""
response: 6h52
